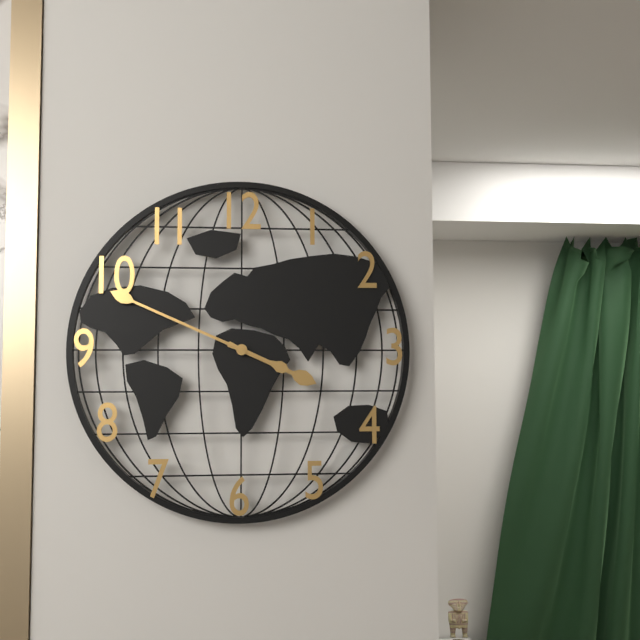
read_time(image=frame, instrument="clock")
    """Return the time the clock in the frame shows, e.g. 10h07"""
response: 3h49
